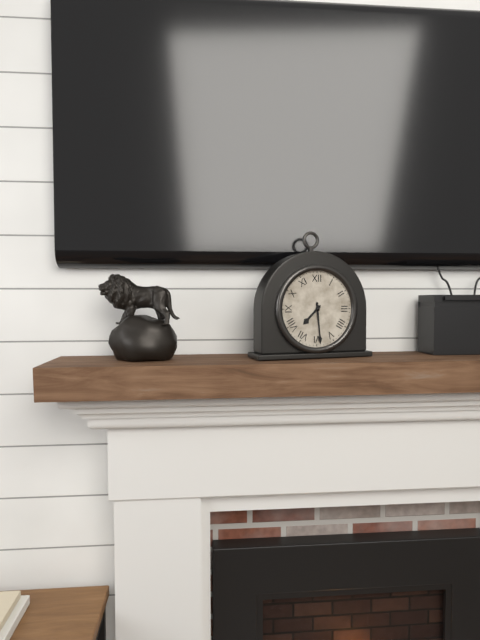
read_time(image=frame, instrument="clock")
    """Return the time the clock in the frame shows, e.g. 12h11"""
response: 7h29
